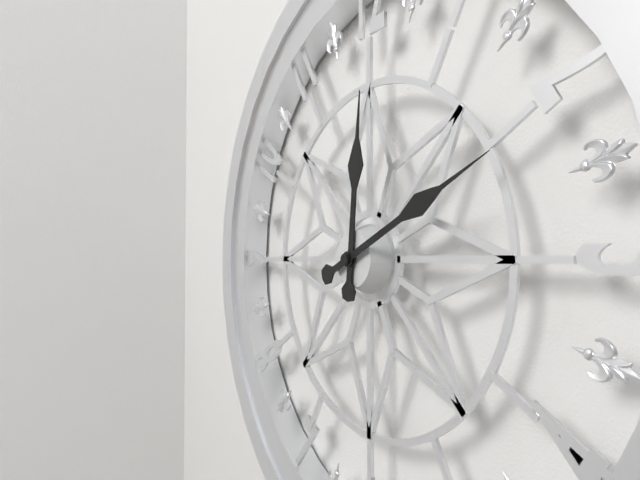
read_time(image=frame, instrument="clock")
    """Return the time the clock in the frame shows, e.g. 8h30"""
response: 12h11
